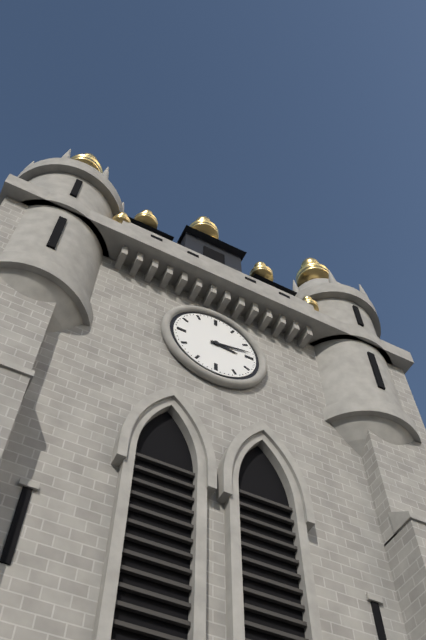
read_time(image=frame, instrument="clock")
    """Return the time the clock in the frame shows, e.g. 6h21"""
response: 3h13
